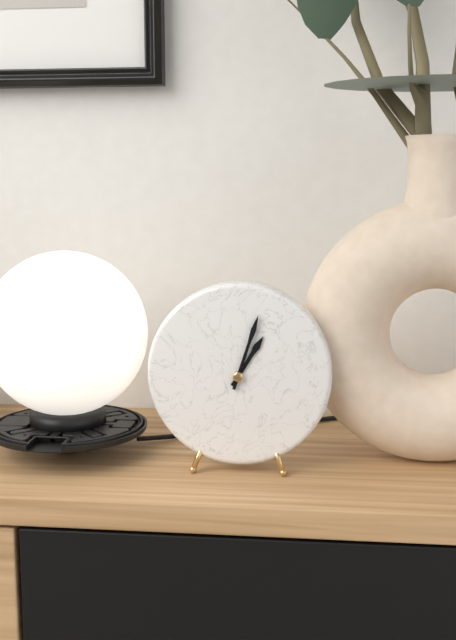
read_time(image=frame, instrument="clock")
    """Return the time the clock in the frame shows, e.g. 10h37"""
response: 1h03
